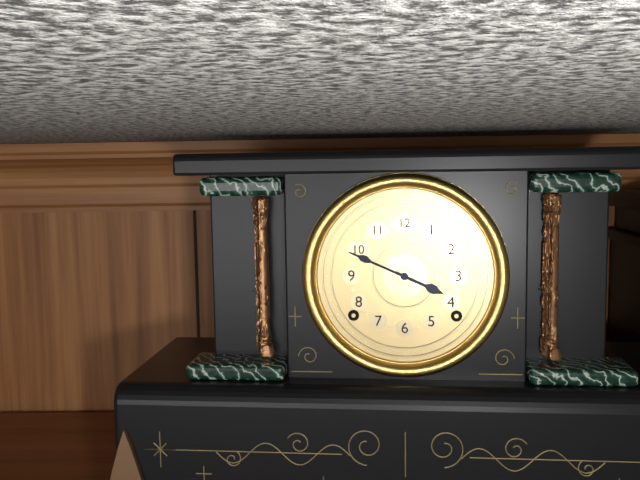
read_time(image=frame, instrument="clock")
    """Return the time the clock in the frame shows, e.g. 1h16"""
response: 3h49
